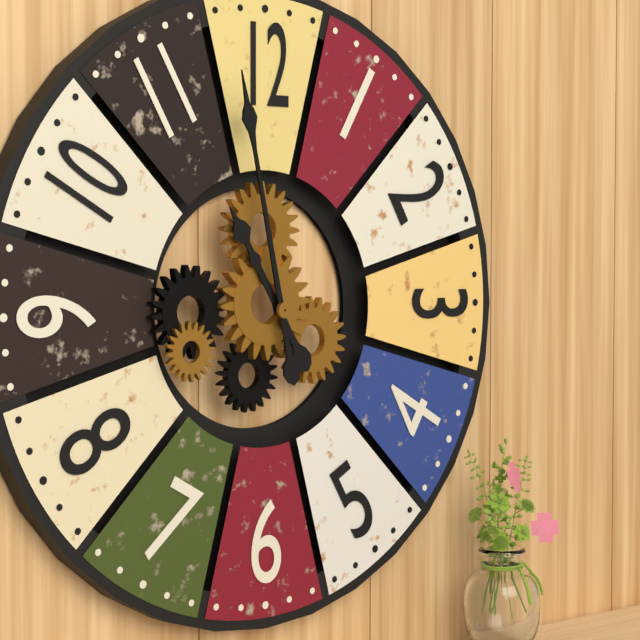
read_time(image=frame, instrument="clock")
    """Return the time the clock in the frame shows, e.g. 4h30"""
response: 10h58
